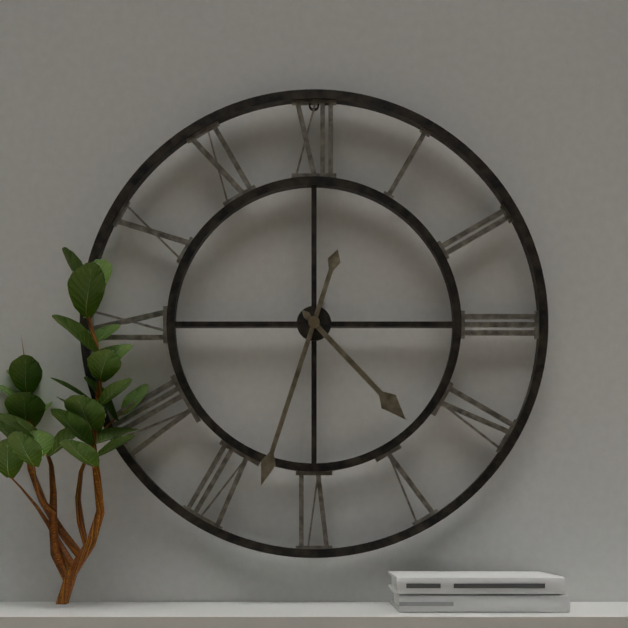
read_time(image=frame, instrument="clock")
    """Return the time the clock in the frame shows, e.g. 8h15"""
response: 4h33
